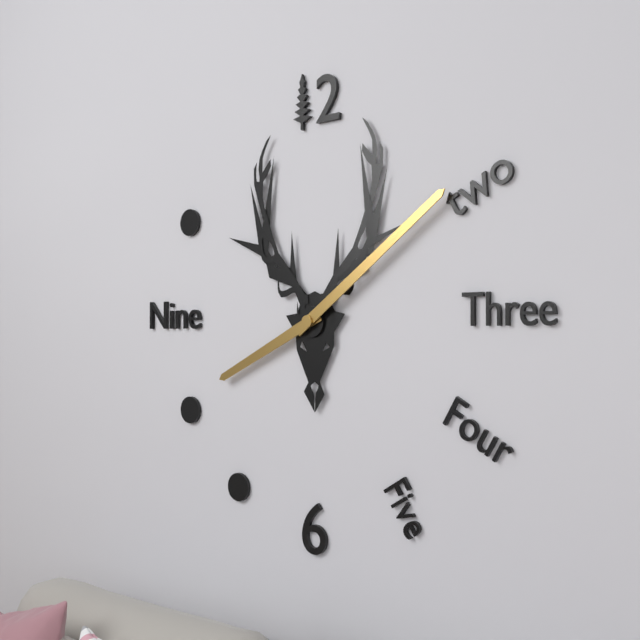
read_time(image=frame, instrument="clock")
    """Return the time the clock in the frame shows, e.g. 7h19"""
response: 8h09
